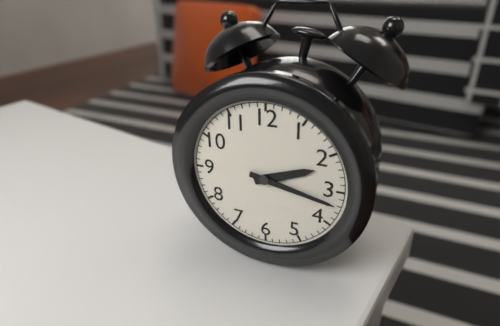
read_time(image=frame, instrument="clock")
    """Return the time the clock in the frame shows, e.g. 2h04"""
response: 2h17
